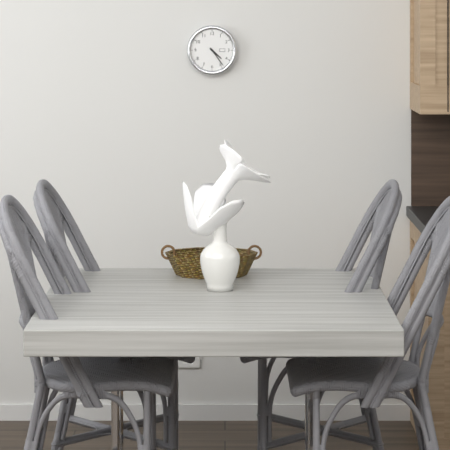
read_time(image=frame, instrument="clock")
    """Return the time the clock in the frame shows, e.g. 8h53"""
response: 4h24
